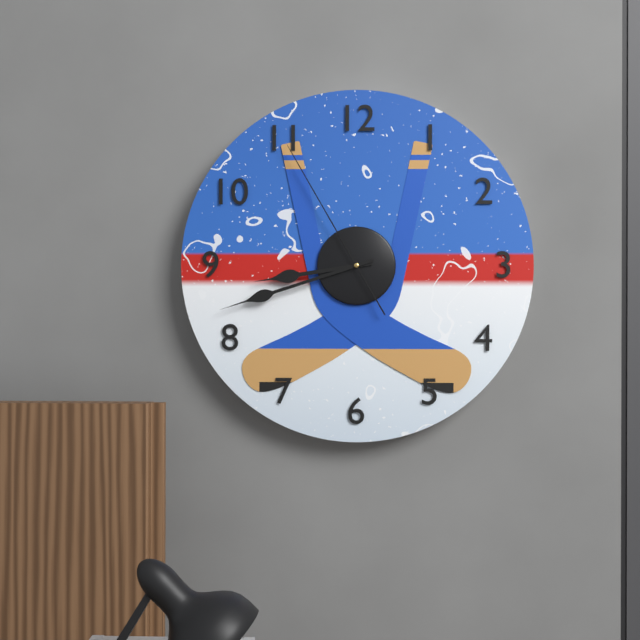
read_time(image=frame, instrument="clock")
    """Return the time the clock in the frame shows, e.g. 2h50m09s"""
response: 8h42m55s
